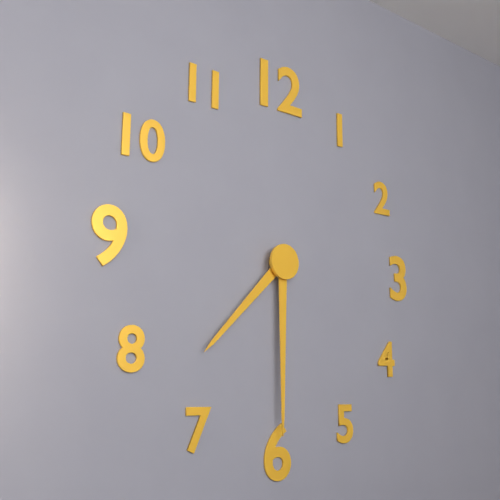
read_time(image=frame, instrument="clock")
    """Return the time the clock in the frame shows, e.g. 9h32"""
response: 7h30
